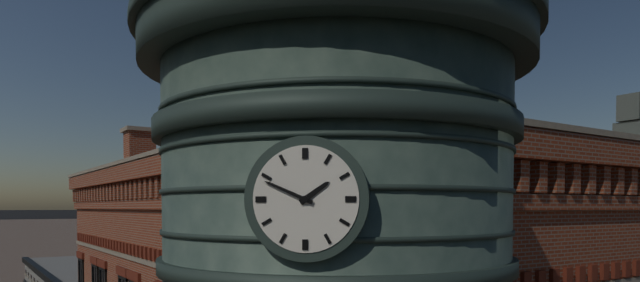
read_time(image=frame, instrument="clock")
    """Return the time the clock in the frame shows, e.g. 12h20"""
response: 1h49
